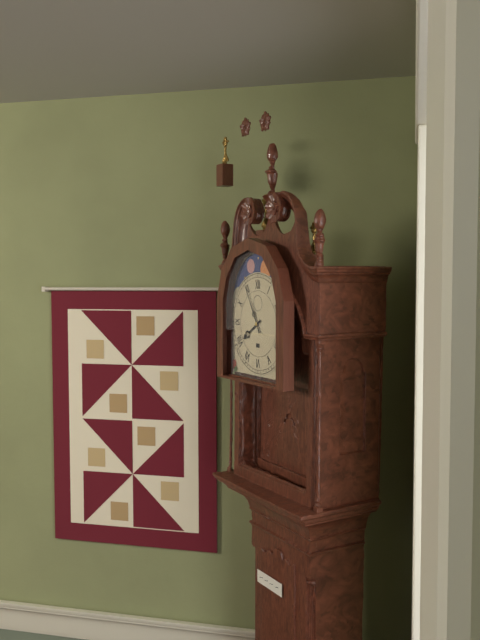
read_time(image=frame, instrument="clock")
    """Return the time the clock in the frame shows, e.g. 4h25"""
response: 7h55
